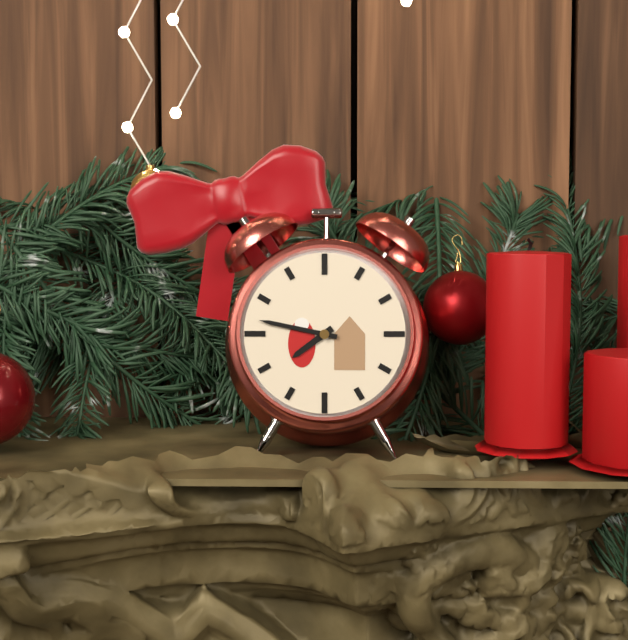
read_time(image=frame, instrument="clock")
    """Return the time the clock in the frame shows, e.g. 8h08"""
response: 7h47
